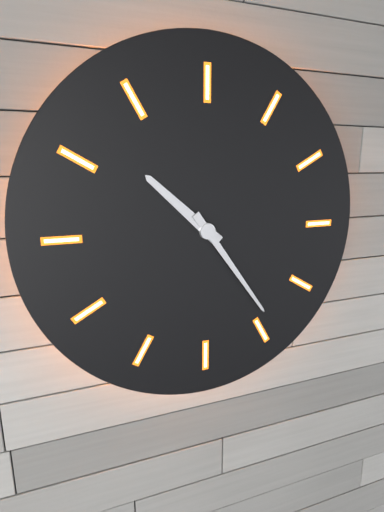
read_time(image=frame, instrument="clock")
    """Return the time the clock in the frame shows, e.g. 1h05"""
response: 10h24
